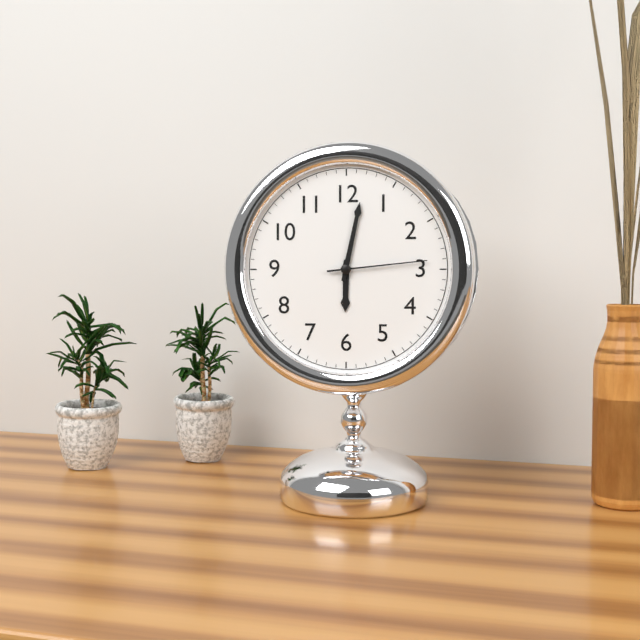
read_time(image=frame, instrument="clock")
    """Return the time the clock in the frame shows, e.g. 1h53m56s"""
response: 6h02m14s
